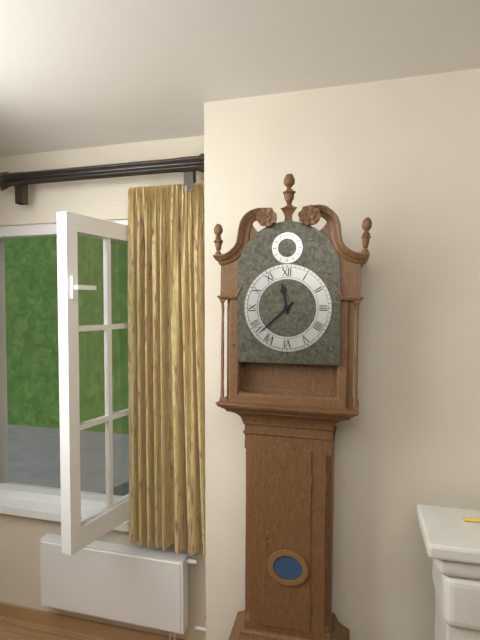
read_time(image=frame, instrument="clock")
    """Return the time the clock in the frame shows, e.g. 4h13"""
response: 11h38
